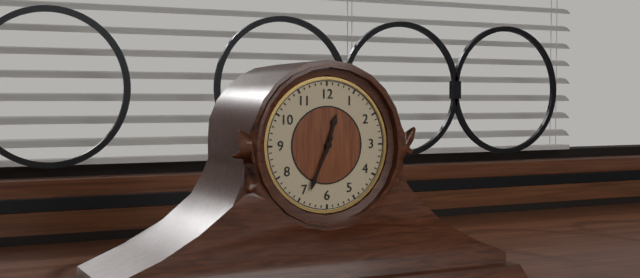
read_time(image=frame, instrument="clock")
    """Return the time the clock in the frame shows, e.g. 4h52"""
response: 12h34
